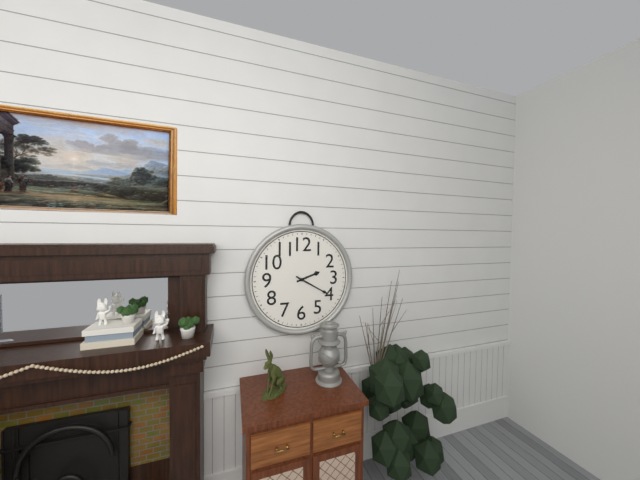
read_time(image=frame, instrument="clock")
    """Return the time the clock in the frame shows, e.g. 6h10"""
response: 2h20
